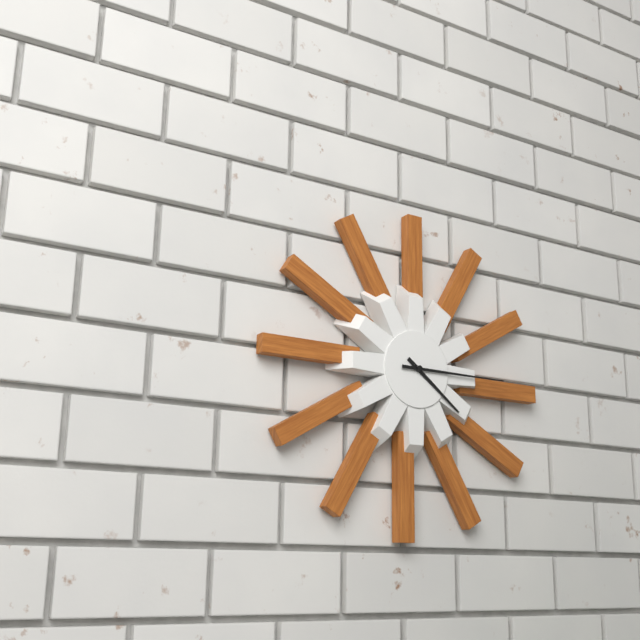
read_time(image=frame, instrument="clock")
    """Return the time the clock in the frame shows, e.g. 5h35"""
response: 4h15
